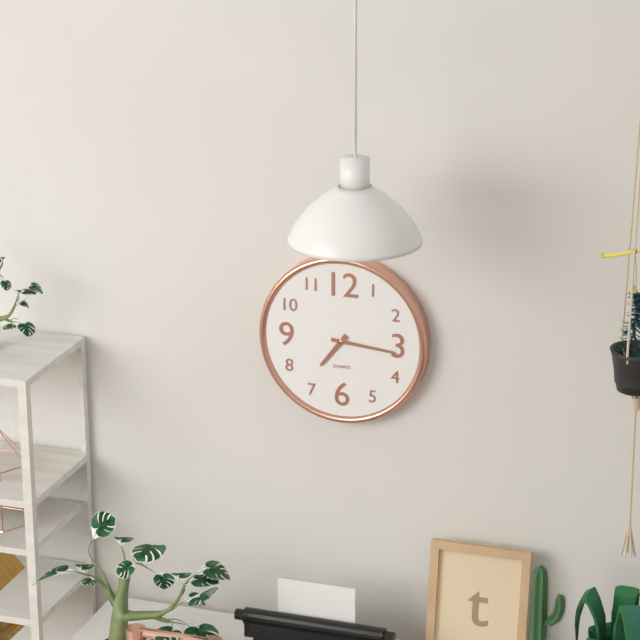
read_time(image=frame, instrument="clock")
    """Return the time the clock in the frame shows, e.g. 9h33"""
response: 7h16
